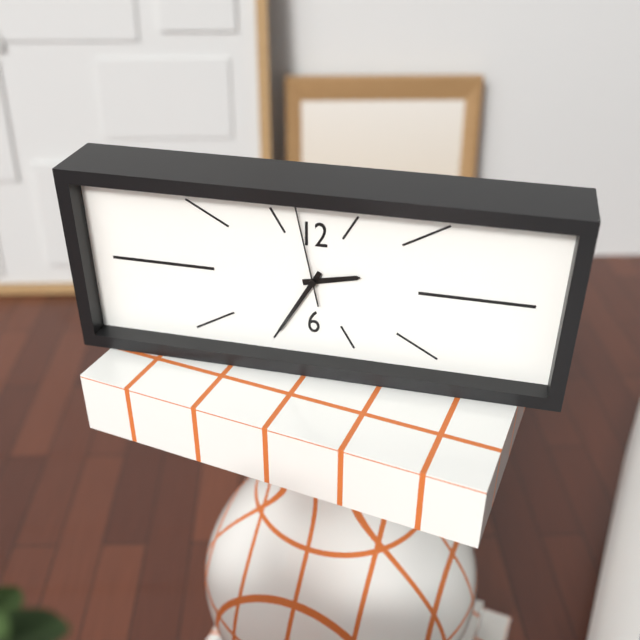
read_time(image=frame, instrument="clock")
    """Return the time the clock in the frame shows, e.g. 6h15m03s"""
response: 2h35m58s
